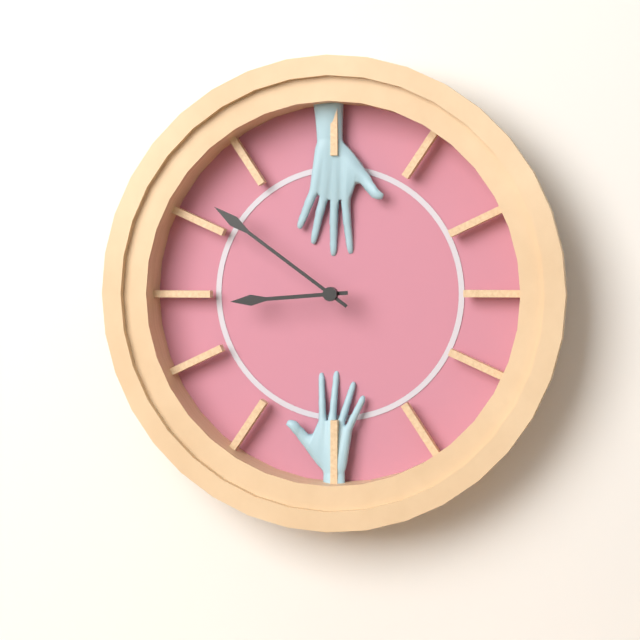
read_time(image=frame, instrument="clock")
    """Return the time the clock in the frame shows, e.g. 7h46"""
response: 8h51
